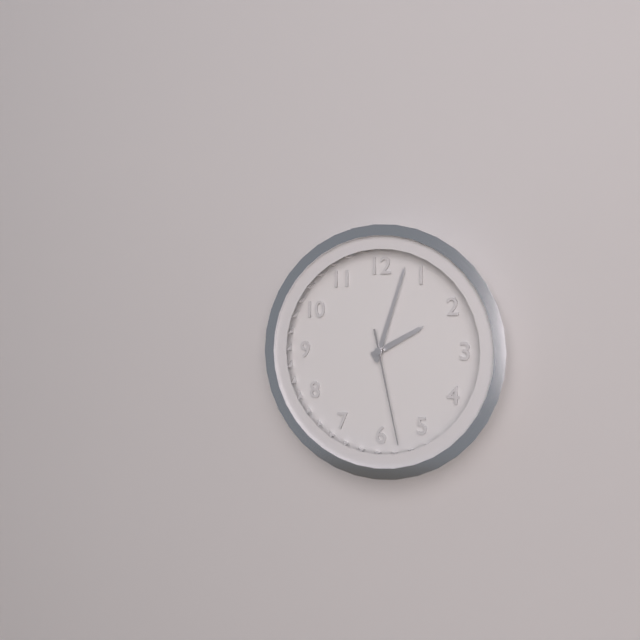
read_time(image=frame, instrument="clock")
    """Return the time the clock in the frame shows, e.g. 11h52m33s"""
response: 2h03m28s
